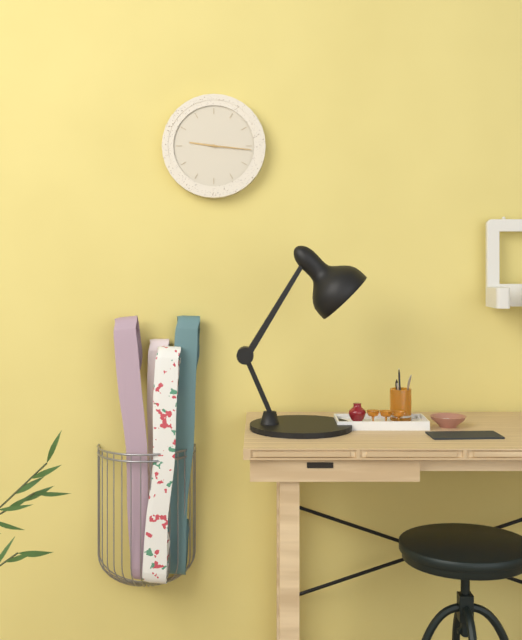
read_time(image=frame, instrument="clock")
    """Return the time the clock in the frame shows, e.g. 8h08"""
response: 9h16
